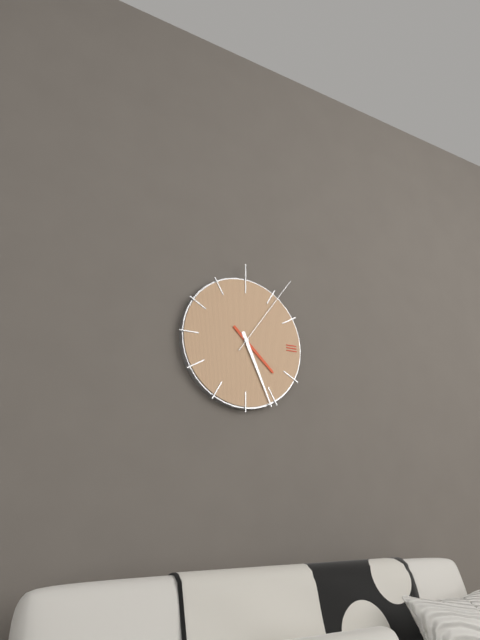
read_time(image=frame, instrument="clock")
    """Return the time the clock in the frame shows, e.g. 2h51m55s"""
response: 4h26m06s
